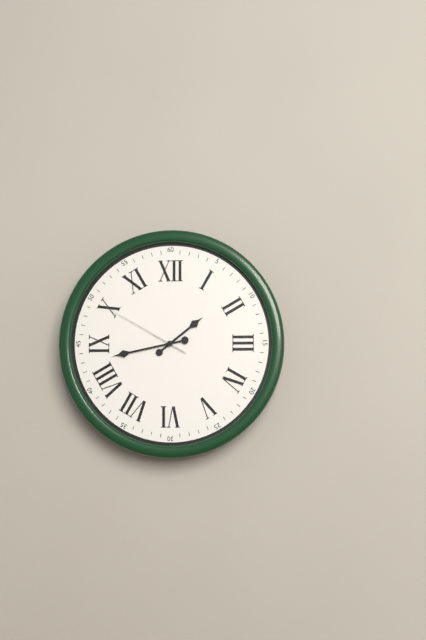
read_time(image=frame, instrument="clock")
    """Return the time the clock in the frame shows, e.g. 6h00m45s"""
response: 1h43m50s
